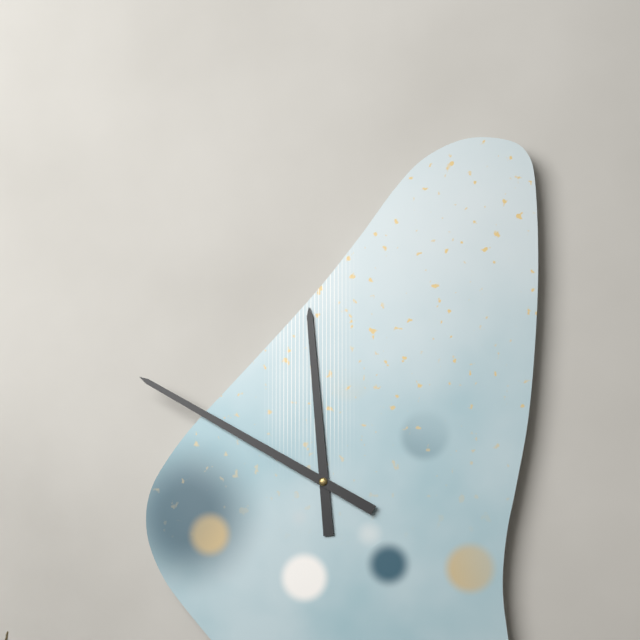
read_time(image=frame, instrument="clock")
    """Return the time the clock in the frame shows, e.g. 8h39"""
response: 11h50
